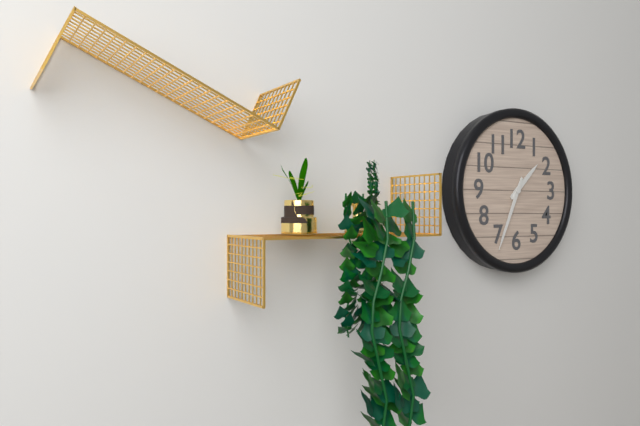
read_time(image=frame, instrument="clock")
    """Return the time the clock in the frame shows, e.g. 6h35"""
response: 1h34
